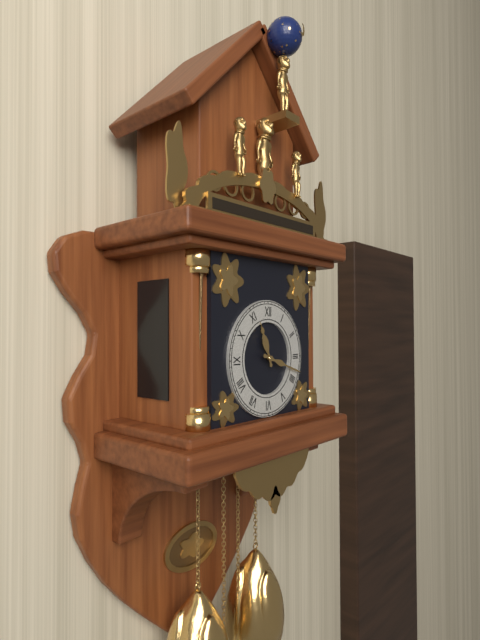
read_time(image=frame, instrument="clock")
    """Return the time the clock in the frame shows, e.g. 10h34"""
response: 11h18
